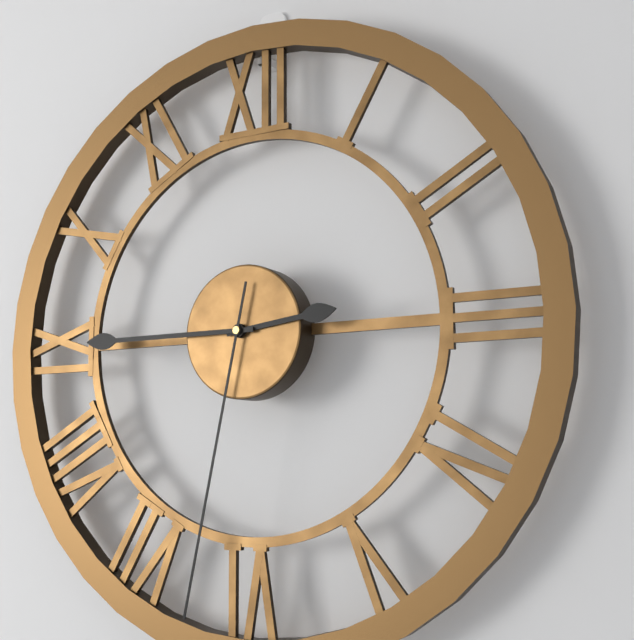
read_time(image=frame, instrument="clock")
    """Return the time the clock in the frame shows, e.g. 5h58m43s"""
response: 2h45m32s
